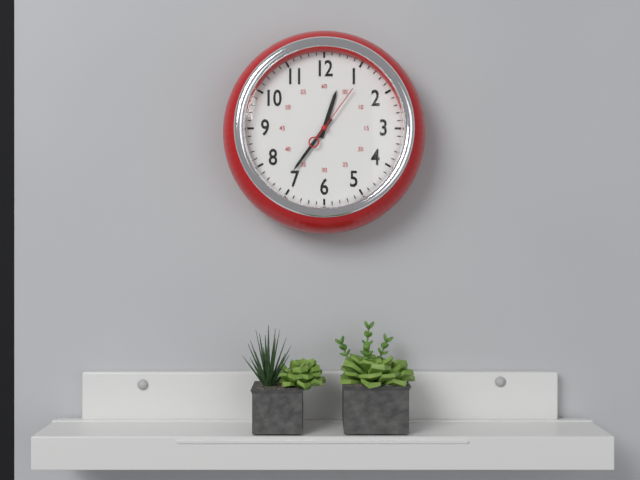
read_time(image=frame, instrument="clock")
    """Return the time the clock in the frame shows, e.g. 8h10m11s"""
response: 12h36m06s
